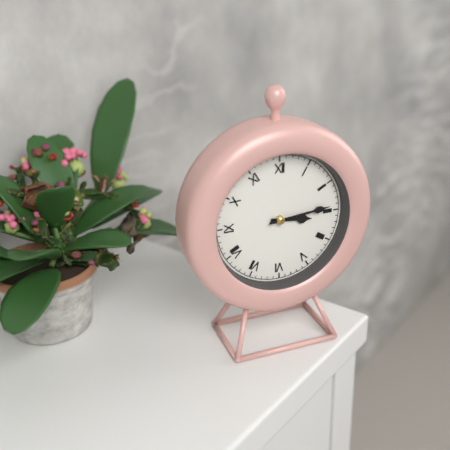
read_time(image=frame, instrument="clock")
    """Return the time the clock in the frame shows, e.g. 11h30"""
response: 3h14
